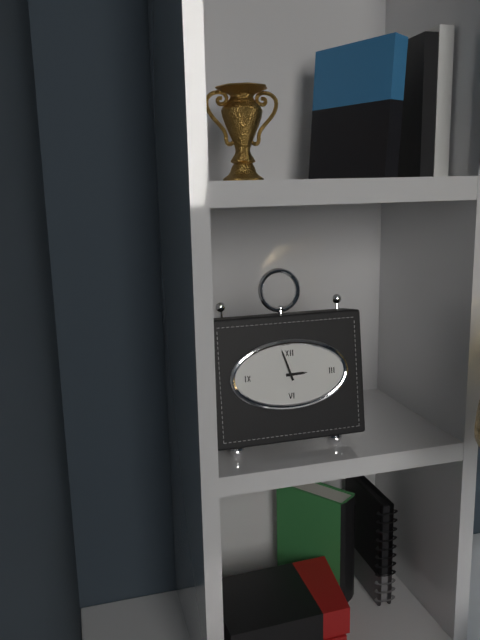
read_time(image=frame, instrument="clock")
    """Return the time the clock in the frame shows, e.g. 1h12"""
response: 2h57
